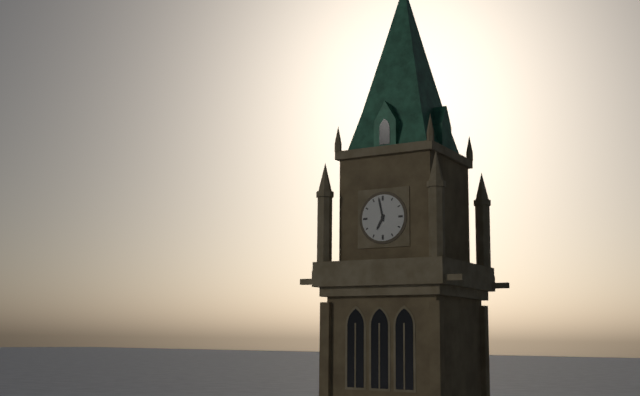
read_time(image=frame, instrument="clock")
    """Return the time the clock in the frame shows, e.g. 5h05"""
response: 6h58
